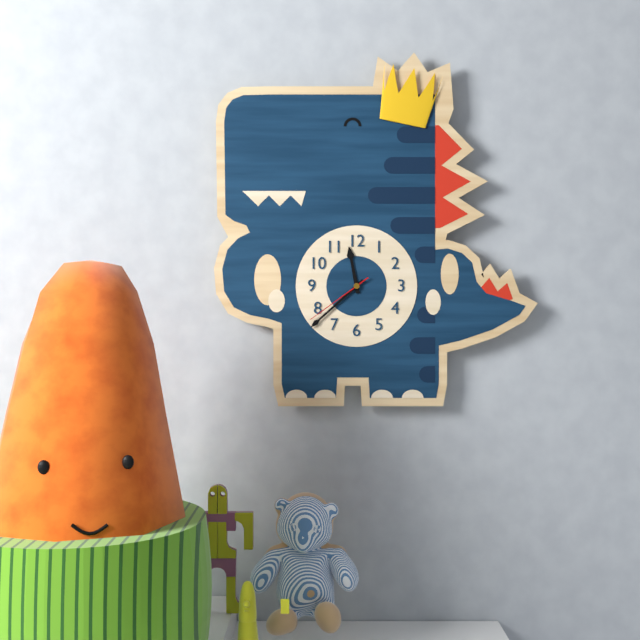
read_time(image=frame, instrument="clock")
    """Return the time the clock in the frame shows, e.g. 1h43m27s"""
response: 11h38m39s
